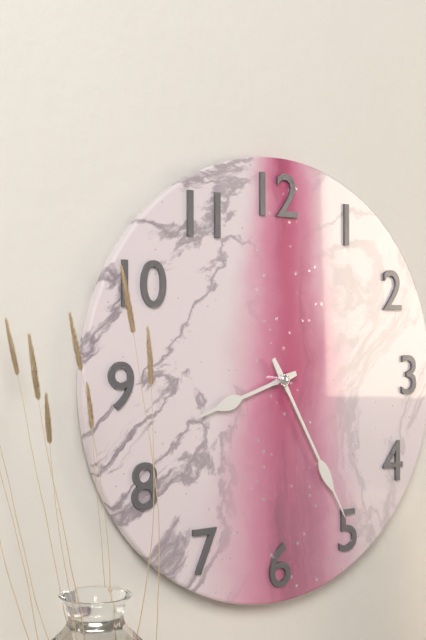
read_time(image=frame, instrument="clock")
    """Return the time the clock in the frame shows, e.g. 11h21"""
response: 8h25
